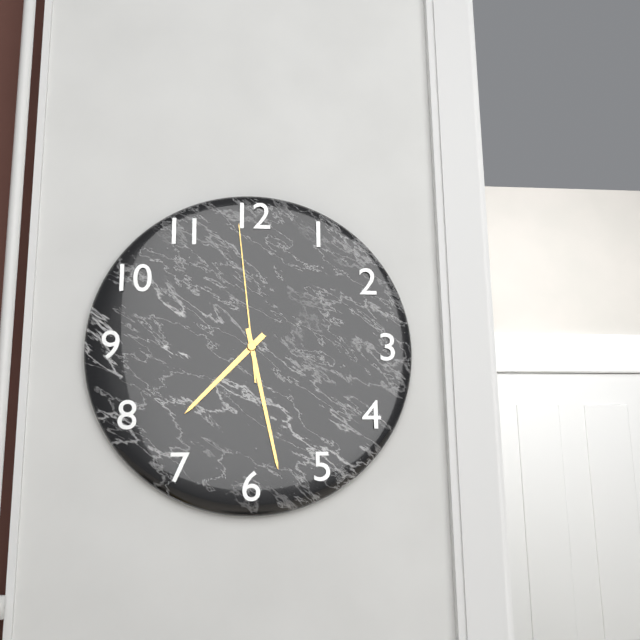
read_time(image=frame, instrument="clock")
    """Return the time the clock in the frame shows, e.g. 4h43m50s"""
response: 7h28m59s
